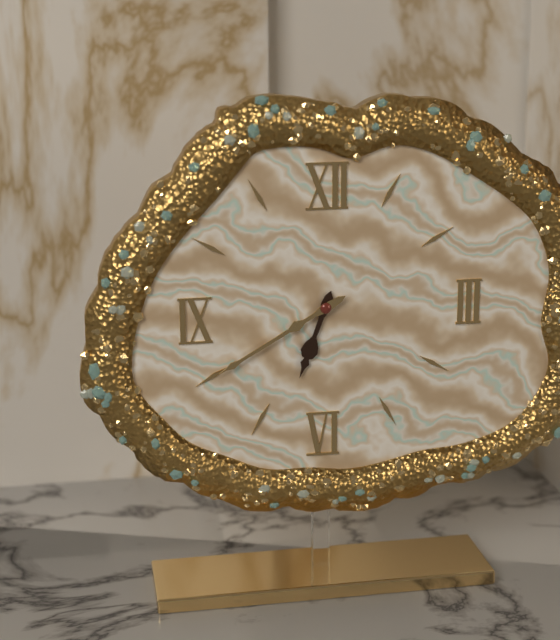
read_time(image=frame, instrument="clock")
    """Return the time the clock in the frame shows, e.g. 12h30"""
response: 6h40
